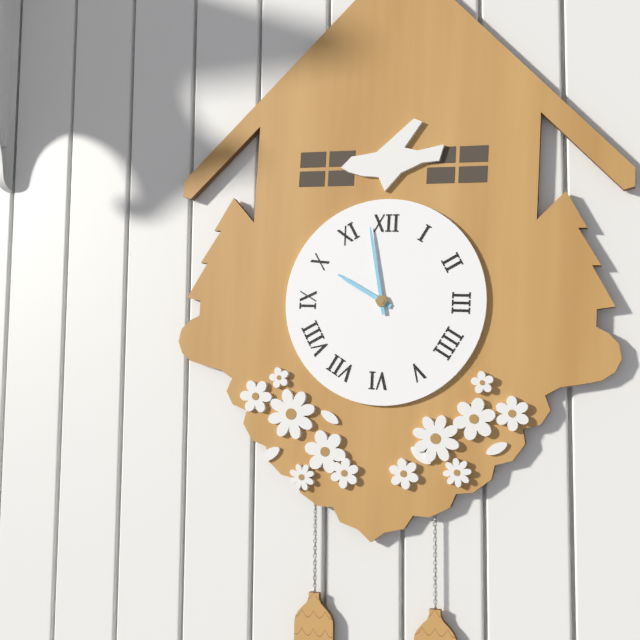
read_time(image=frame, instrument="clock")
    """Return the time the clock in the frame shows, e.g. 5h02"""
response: 9h58
